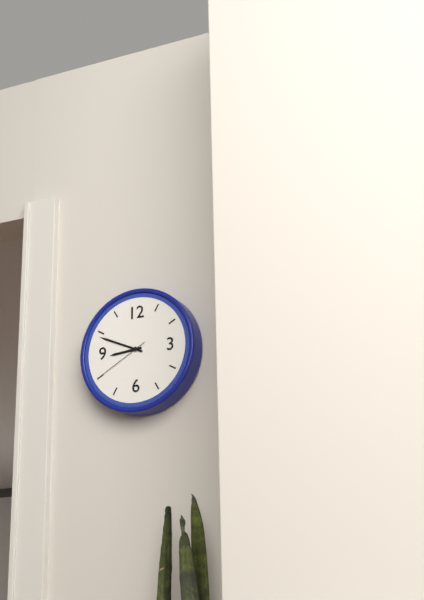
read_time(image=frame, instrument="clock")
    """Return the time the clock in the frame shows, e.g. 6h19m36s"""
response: 8h49m40s
